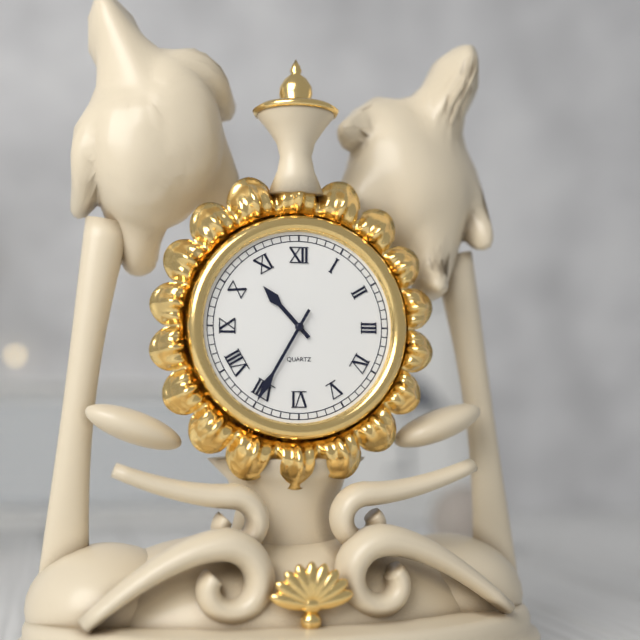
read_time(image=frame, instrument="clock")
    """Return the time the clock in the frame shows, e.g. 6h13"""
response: 10h35
